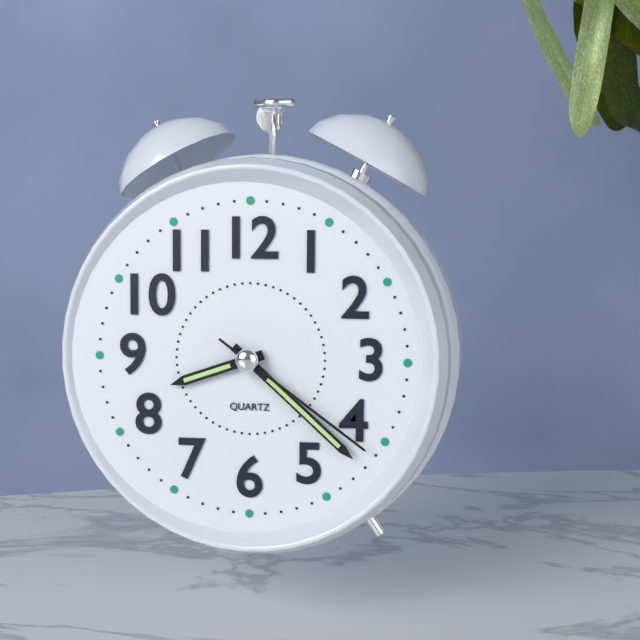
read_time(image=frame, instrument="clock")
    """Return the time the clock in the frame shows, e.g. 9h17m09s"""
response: 8h22m21s
